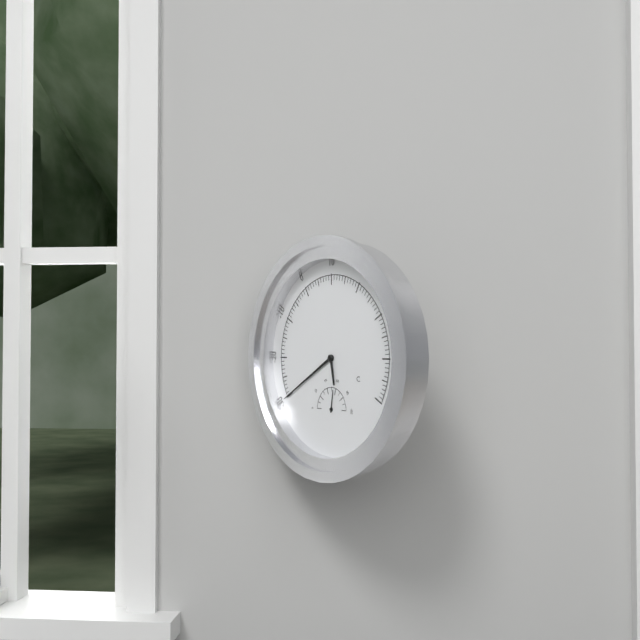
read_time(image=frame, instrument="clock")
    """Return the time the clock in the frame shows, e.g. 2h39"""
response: 5h40
